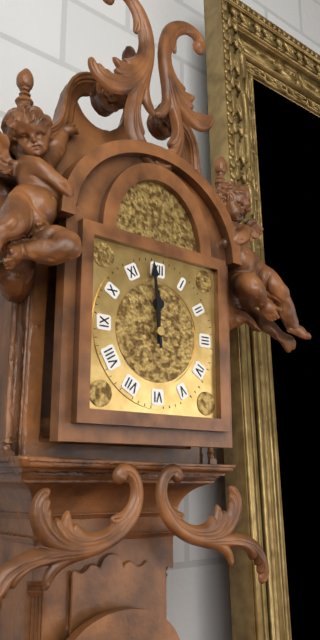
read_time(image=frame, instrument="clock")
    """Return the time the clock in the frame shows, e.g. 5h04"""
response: 11h59
